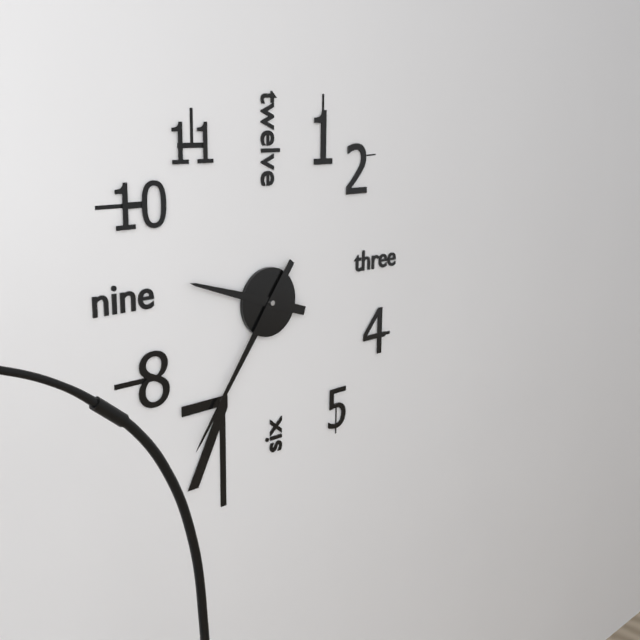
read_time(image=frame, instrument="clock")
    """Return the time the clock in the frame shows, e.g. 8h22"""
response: 9h36
